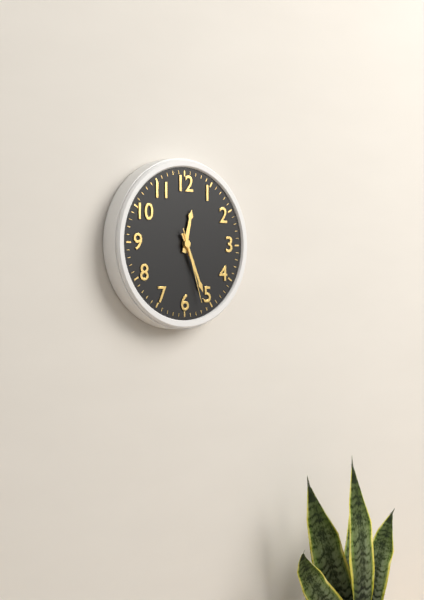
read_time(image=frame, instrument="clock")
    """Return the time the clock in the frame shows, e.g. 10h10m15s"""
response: 12h26m27s
